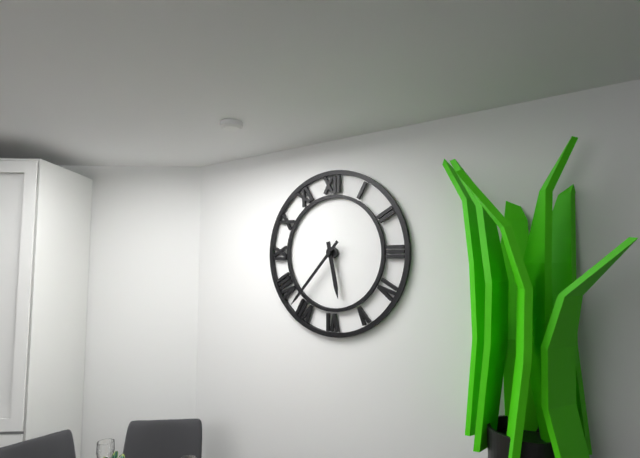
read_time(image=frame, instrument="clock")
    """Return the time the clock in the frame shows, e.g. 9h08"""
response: 5h37
